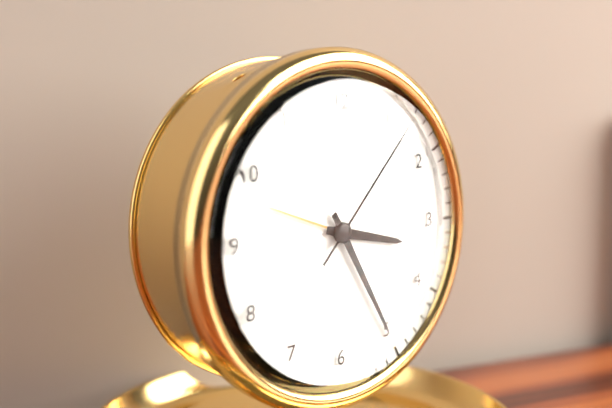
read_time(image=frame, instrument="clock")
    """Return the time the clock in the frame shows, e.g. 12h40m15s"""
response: 3h25m07s
